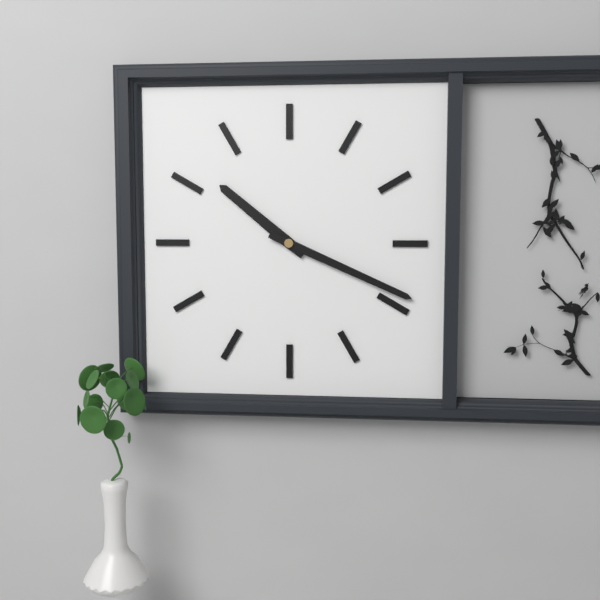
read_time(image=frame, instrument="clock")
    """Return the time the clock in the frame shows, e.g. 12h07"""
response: 10h19
